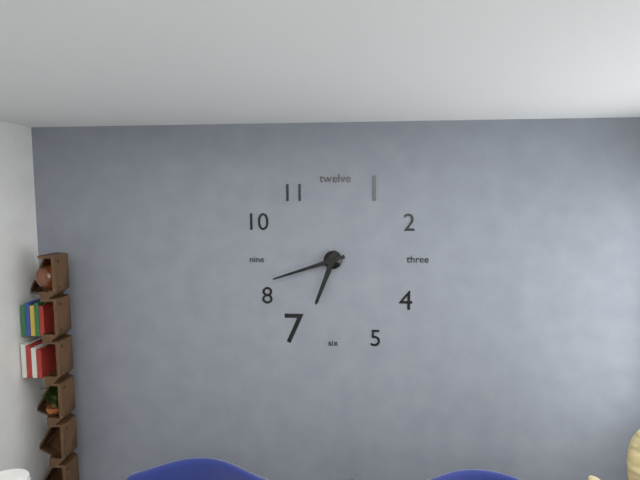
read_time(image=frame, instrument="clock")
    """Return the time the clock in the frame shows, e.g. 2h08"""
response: 6h42
